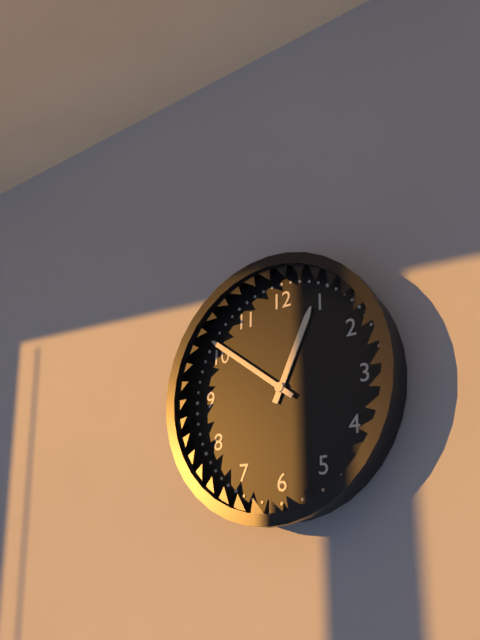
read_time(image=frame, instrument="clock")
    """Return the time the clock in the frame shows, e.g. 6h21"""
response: 12h51
